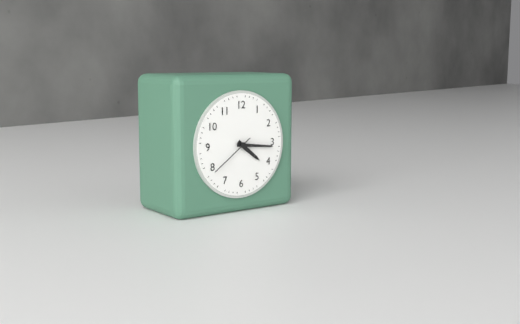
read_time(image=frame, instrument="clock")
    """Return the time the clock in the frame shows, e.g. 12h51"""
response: 4h16
